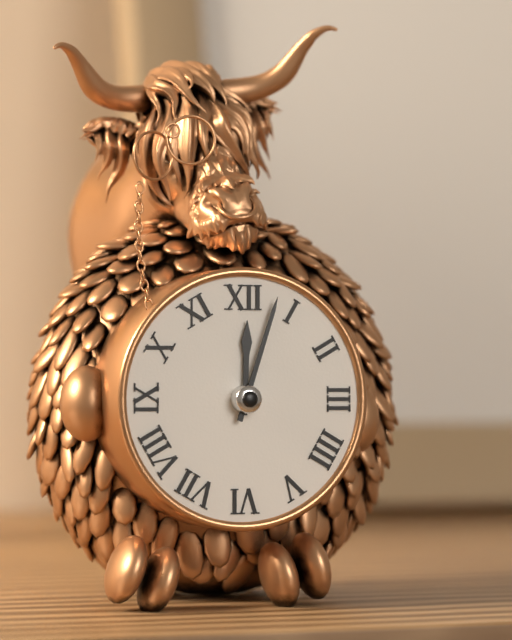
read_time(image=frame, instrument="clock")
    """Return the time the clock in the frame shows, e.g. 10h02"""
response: 12h03
